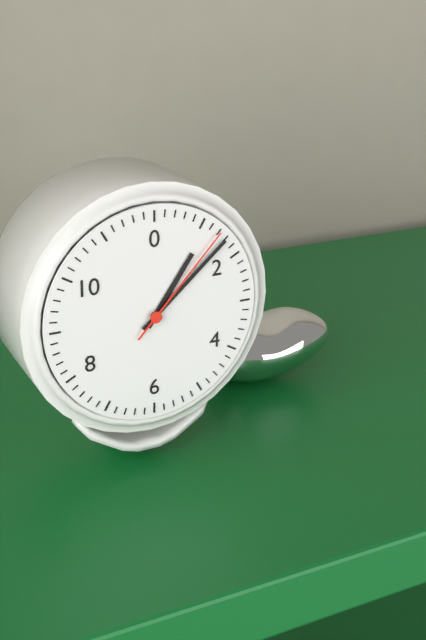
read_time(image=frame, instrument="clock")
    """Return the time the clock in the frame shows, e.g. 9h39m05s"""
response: 1h08m07s
